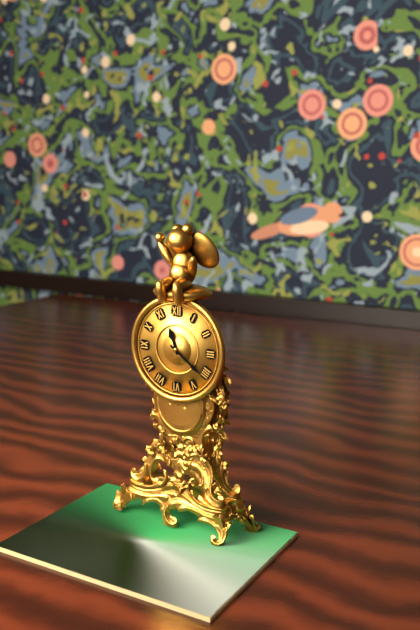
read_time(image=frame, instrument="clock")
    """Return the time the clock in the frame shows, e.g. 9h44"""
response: 11h21
